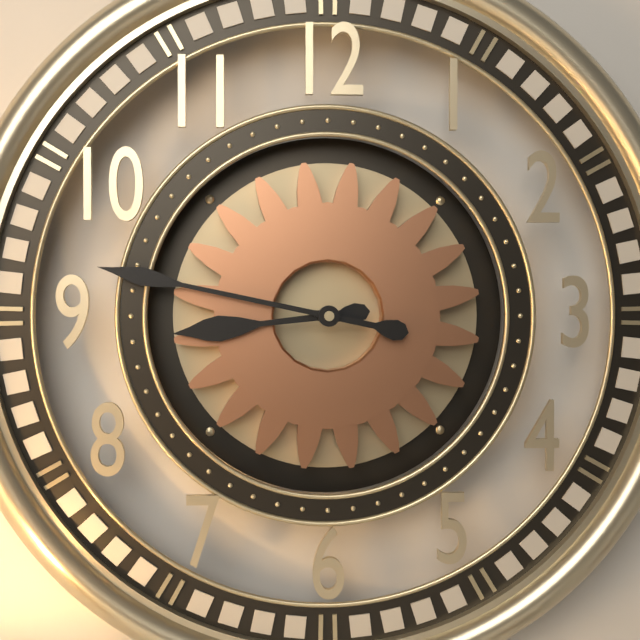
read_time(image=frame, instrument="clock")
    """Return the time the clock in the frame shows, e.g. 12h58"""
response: 8h47
